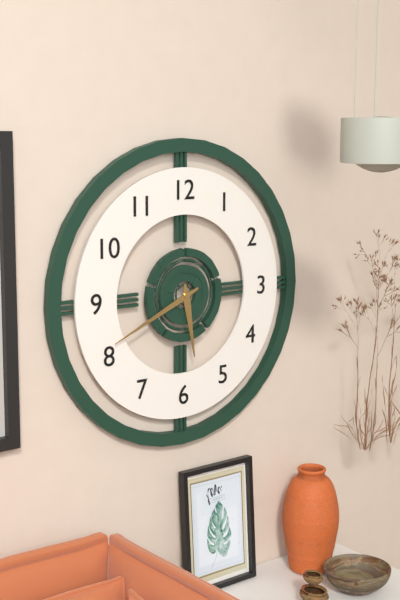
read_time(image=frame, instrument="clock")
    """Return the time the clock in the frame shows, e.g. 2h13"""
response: 5h41
